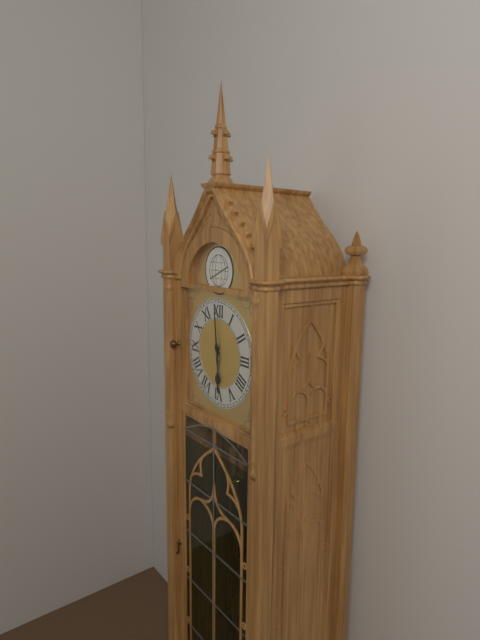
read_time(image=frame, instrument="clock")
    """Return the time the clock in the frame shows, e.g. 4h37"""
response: 5h59
